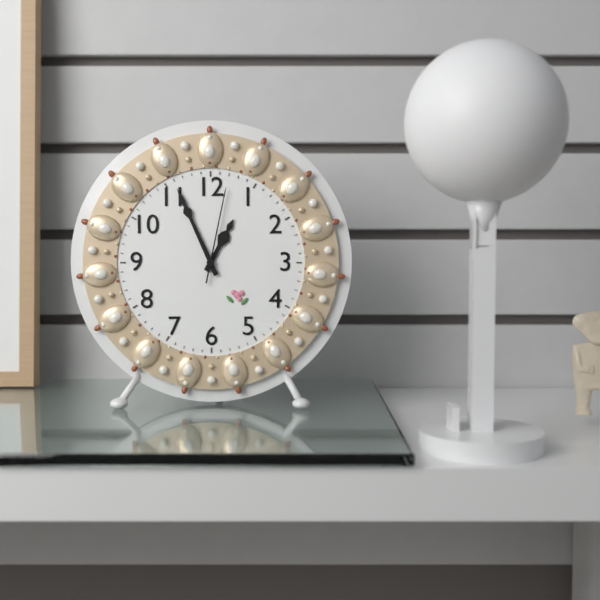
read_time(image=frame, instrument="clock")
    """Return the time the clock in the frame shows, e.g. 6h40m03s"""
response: 12h56m02s
